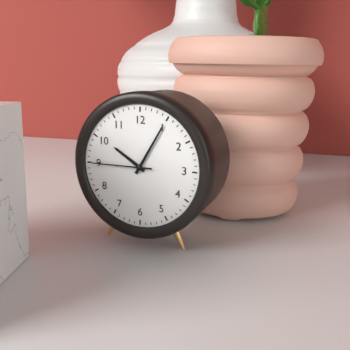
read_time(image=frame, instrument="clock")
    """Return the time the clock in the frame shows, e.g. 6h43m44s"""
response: 10h05m45s
